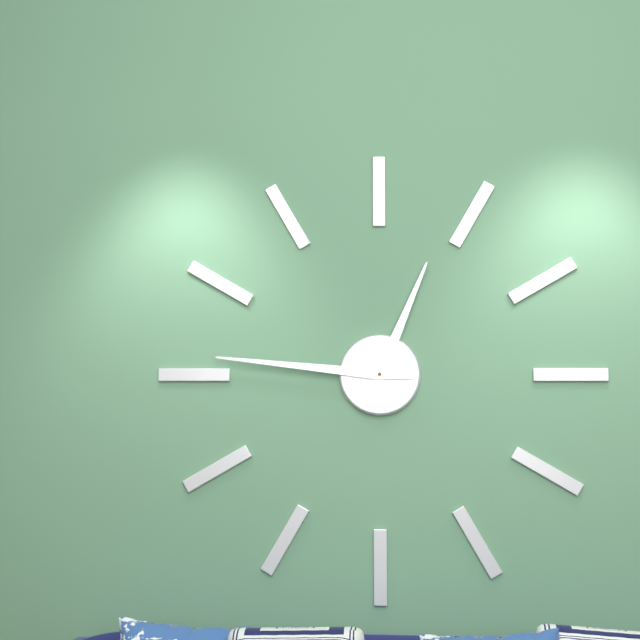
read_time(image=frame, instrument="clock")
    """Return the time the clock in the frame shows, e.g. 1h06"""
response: 12h46
